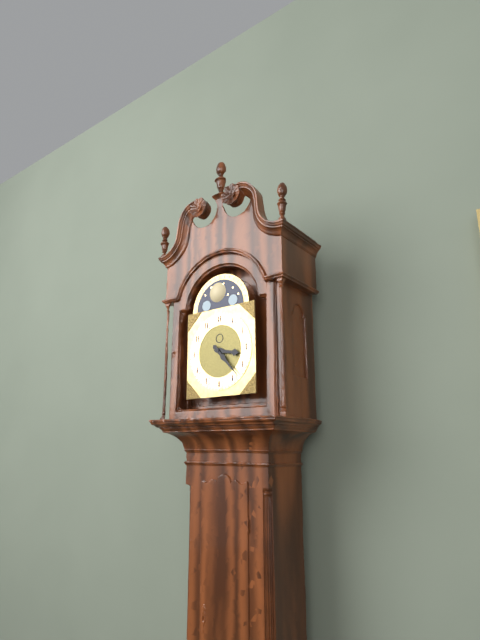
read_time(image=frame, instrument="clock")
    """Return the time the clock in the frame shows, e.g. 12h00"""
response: 3h23
